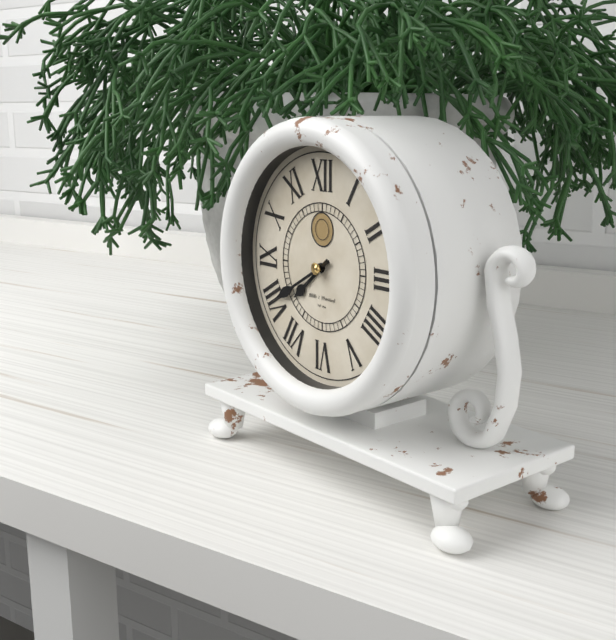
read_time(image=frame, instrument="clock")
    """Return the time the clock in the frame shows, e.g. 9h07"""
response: 7h40
